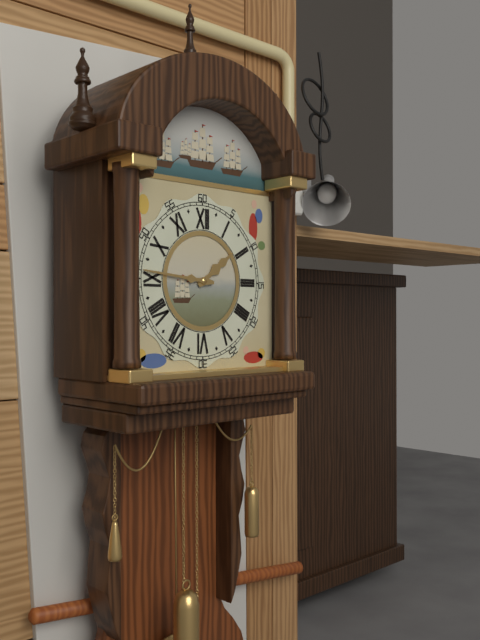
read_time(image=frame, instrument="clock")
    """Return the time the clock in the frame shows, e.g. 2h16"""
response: 1h46
